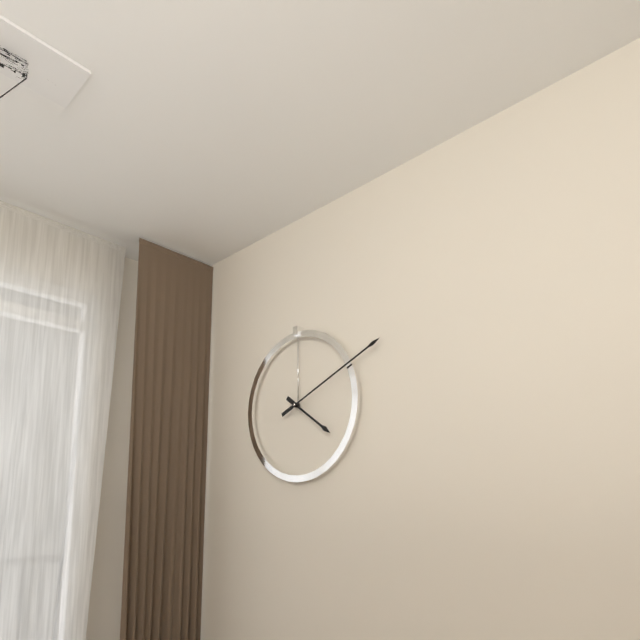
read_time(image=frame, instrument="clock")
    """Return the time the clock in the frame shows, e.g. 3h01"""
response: 4h11
